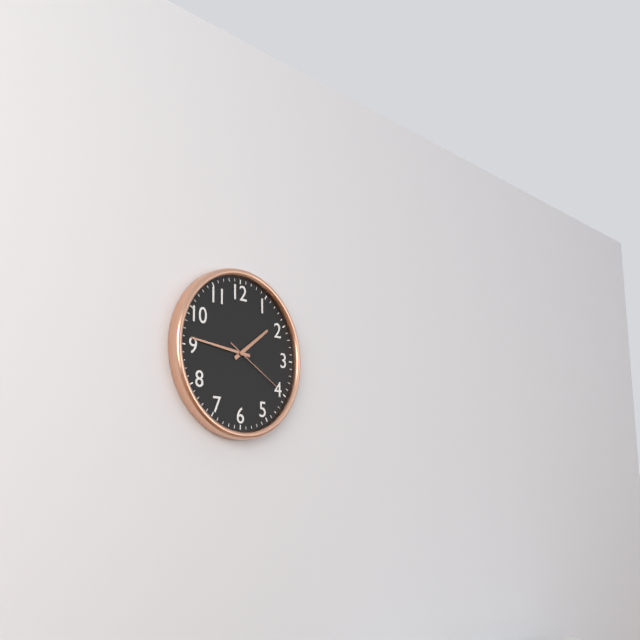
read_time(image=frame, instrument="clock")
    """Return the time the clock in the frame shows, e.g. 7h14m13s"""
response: 1h46m20s
